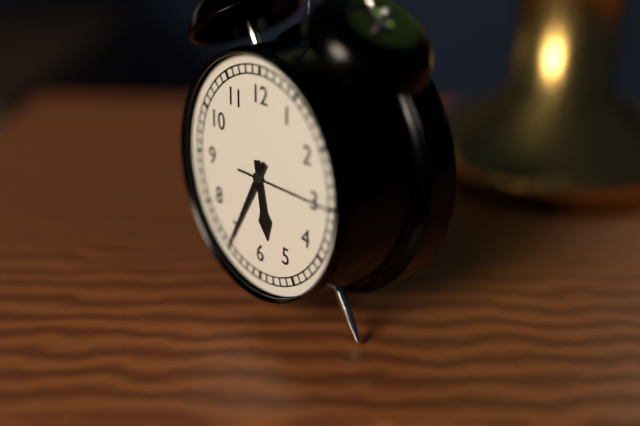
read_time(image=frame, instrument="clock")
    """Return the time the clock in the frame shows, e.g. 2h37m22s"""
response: 5h35m15s
